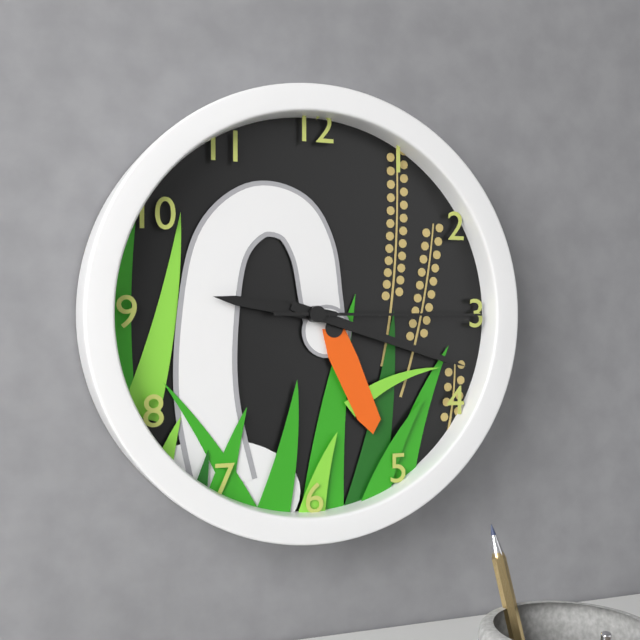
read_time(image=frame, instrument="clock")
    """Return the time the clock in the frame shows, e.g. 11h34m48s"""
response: 9h18m15s
